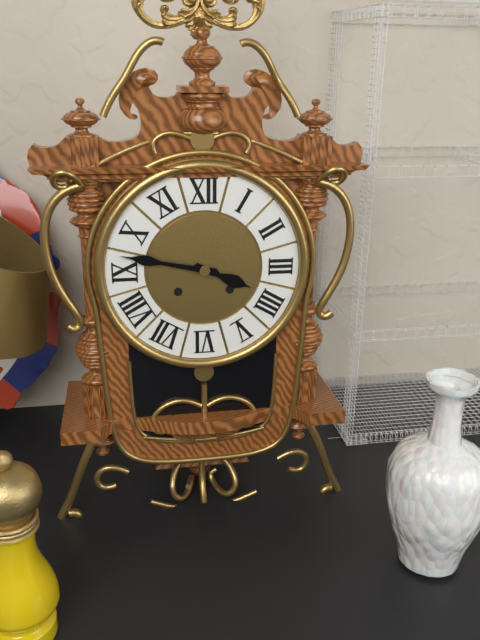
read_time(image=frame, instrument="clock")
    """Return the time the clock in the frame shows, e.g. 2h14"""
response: 3h47
